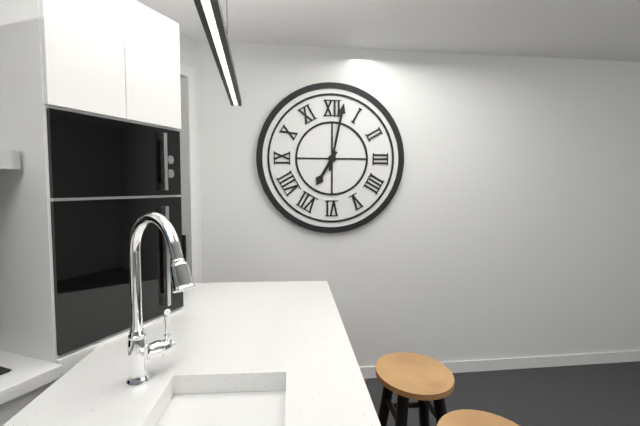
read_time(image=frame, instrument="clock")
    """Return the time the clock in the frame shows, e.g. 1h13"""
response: 7h02
